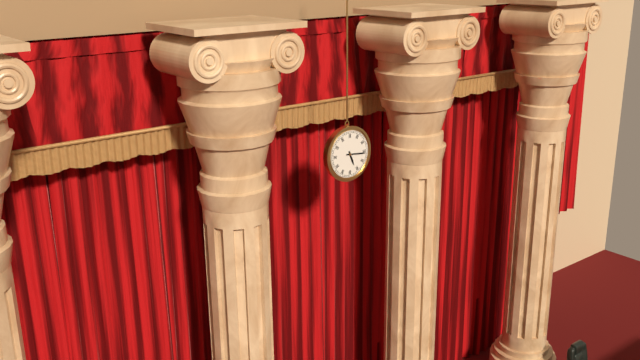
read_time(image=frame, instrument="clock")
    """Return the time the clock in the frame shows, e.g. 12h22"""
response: 5h16
